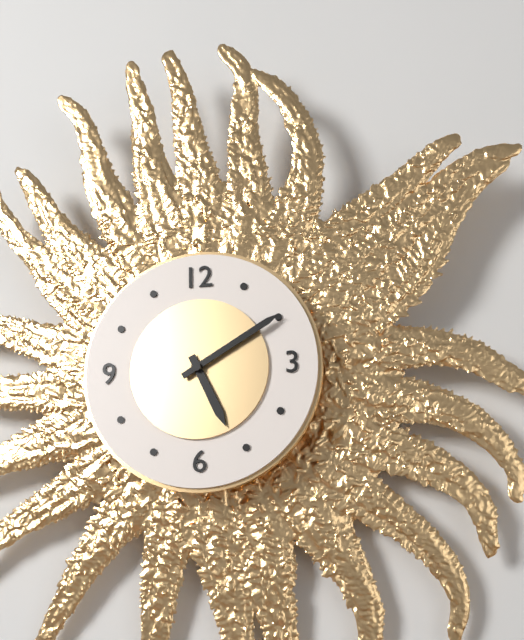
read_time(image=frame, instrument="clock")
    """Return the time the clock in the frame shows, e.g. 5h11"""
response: 5h10
